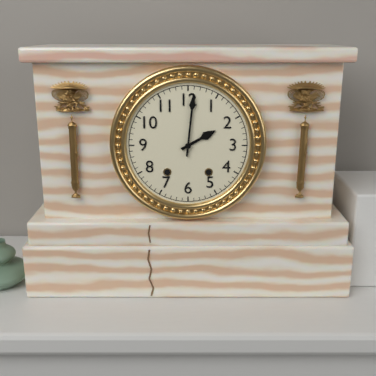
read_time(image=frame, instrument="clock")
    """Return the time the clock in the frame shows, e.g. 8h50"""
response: 2h01
